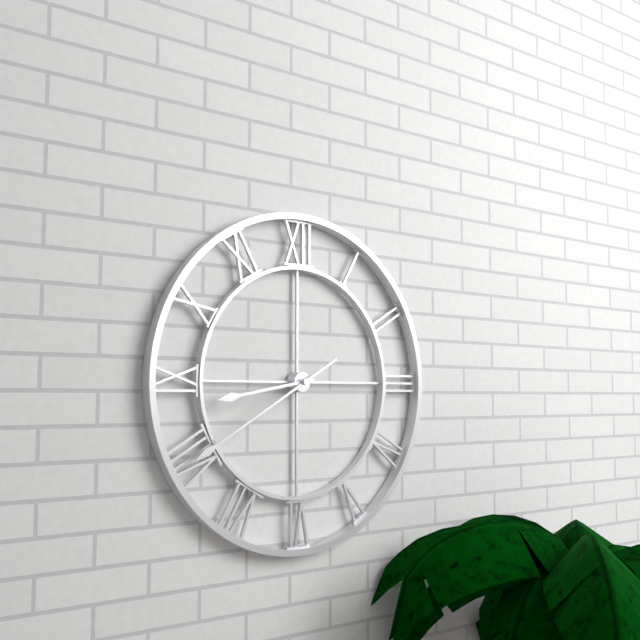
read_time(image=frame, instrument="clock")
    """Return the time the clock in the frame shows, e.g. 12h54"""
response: 8h40
